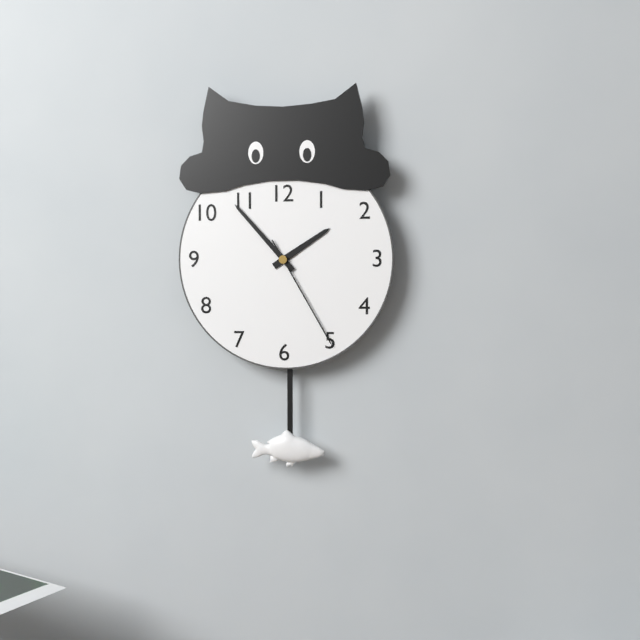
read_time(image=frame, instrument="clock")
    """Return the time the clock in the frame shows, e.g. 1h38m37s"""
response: 1h53m25s
